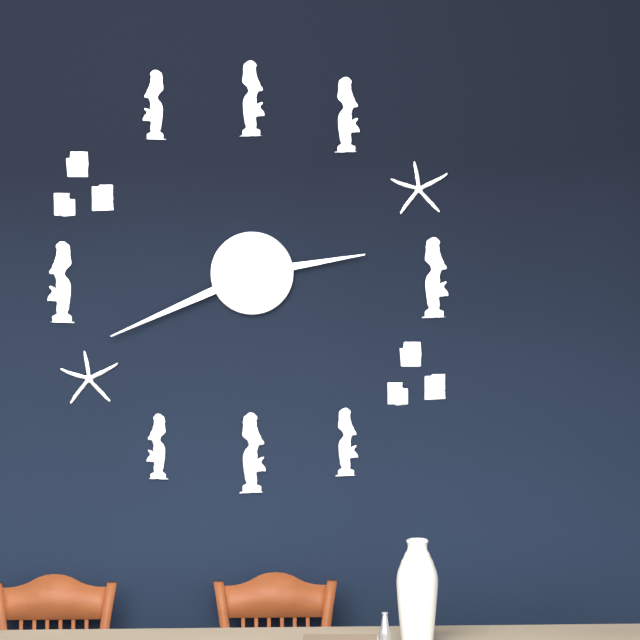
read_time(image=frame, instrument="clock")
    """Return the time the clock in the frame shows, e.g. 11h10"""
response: 2h41
